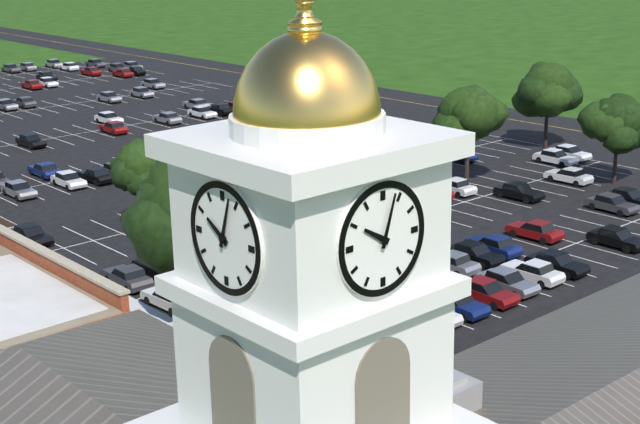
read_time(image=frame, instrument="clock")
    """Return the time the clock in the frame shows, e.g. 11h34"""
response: 10h03
